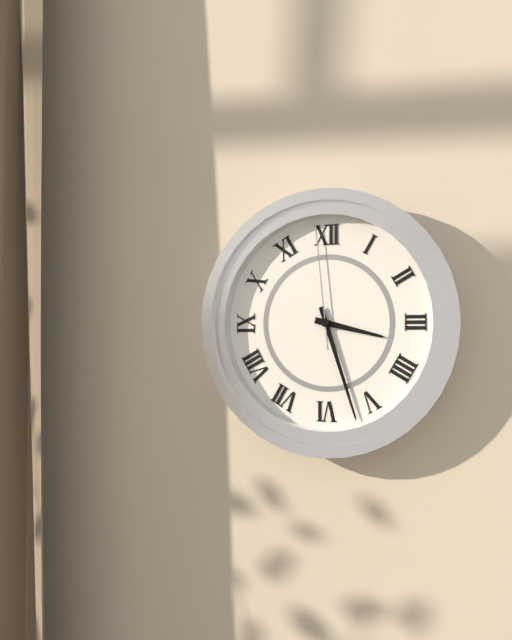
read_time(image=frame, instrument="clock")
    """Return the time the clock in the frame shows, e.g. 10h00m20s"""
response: 3h27m59s
